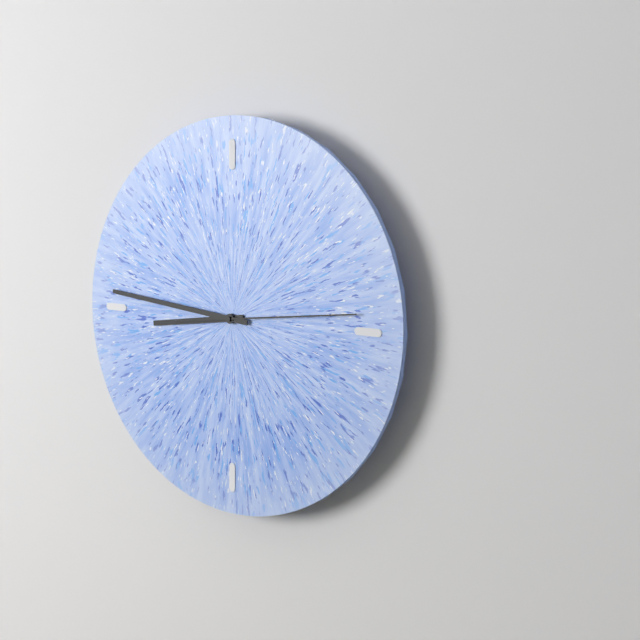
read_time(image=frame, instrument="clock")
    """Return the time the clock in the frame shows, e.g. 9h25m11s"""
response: 8h46m14s
